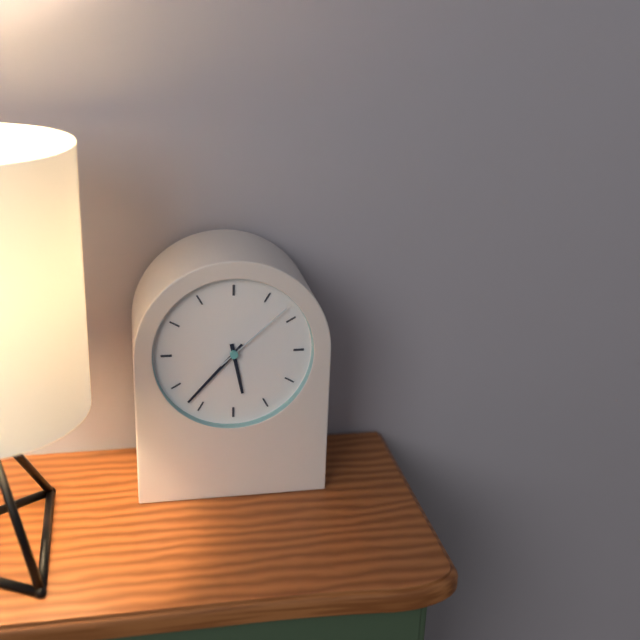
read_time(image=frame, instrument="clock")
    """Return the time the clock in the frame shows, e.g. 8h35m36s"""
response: 5h37m08s
